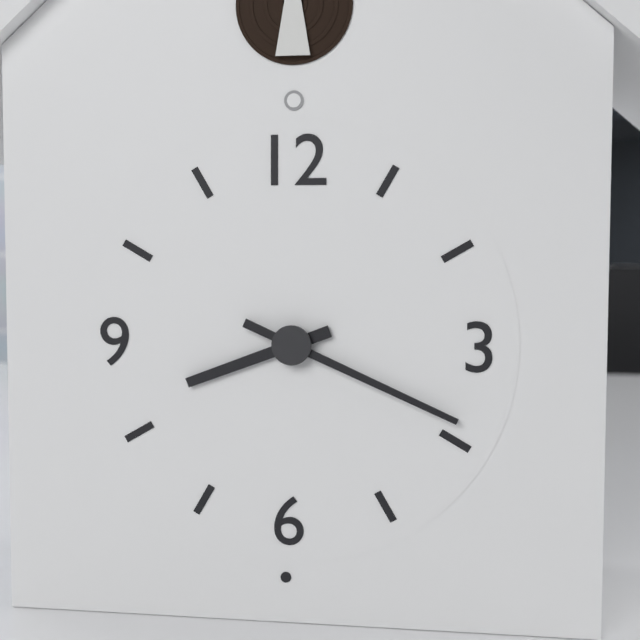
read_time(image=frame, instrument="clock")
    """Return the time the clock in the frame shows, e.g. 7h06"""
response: 8h19
